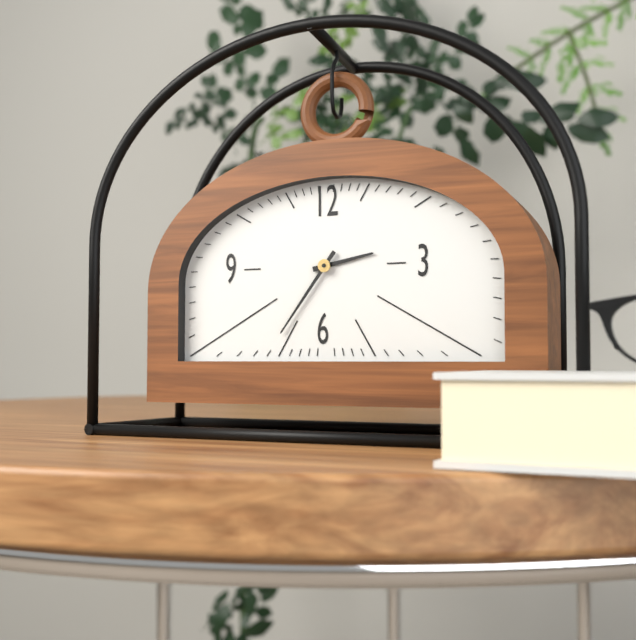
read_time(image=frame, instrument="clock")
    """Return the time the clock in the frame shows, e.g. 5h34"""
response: 2h36
